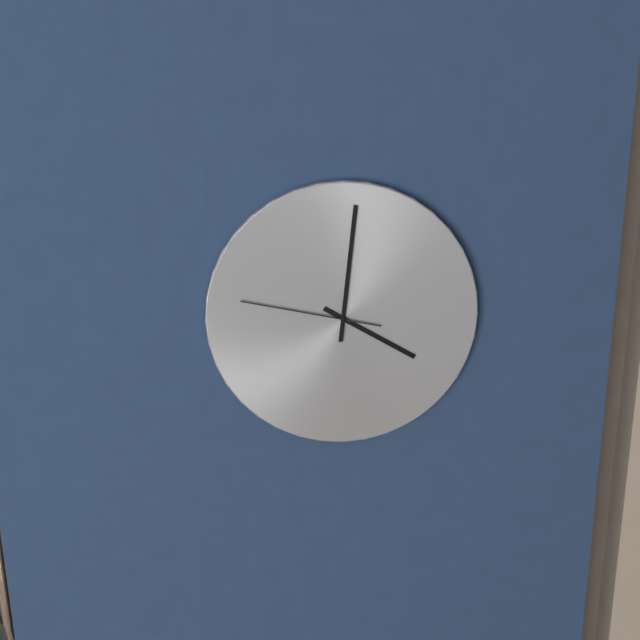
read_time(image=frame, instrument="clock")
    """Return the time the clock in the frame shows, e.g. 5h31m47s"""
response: 4h01m47s
